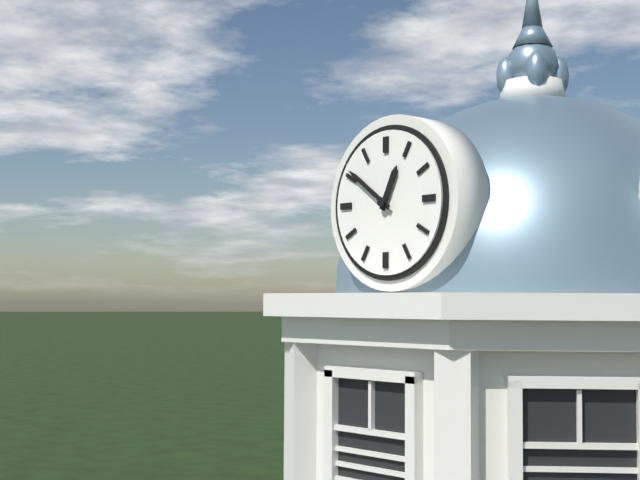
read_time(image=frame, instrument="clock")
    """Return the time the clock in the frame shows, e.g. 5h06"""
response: 12h51
